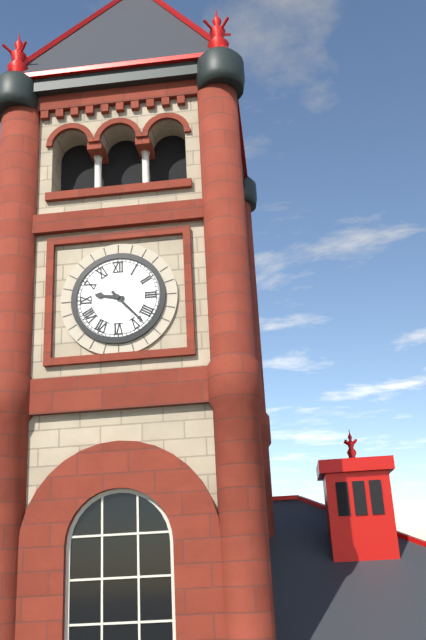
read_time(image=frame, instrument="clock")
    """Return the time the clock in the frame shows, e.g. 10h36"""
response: 9h23
